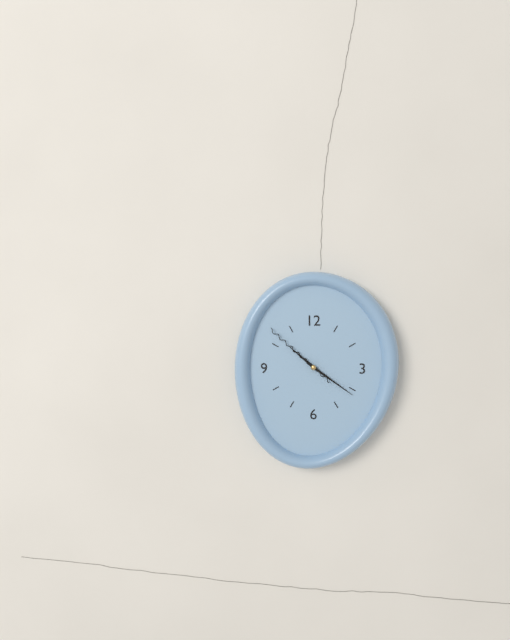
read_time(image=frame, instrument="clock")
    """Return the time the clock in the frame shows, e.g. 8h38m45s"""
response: 10h21m52s
